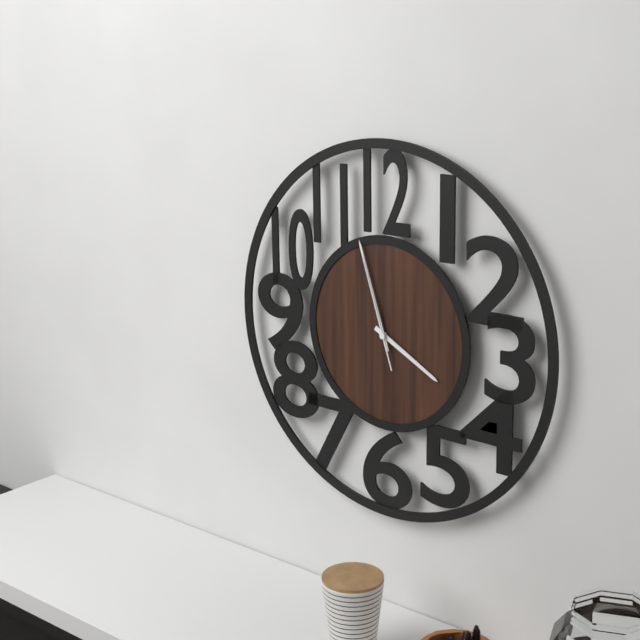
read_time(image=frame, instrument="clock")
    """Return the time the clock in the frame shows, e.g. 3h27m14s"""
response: 3h57m57s
